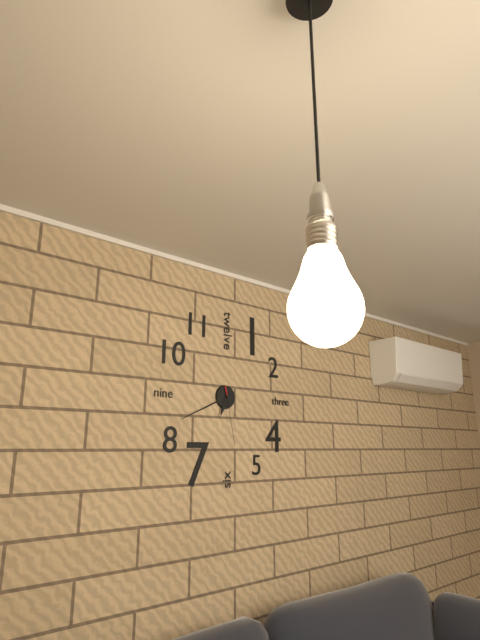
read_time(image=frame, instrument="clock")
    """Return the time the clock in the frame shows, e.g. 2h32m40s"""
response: 6h41m28s
